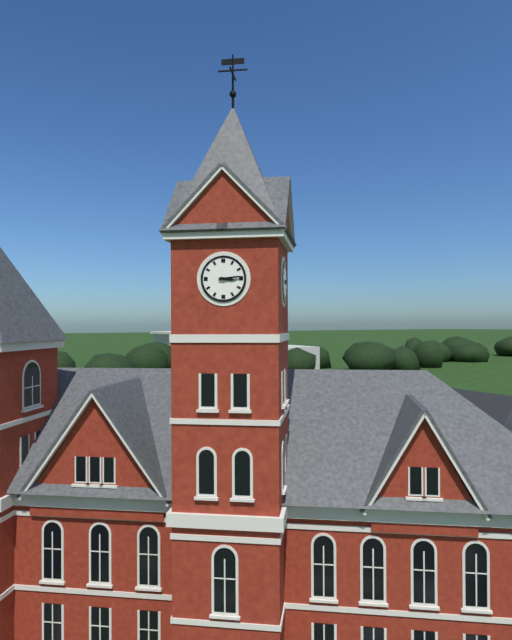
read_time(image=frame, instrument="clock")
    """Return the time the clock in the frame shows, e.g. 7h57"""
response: 3h14
